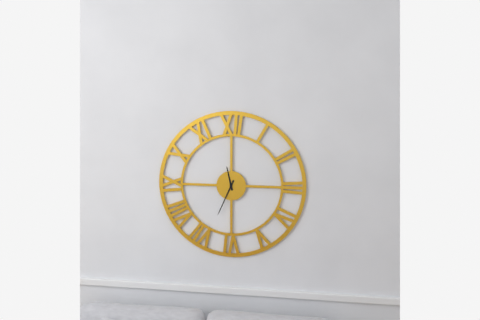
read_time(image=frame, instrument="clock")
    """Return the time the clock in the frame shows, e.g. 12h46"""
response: 11h34
